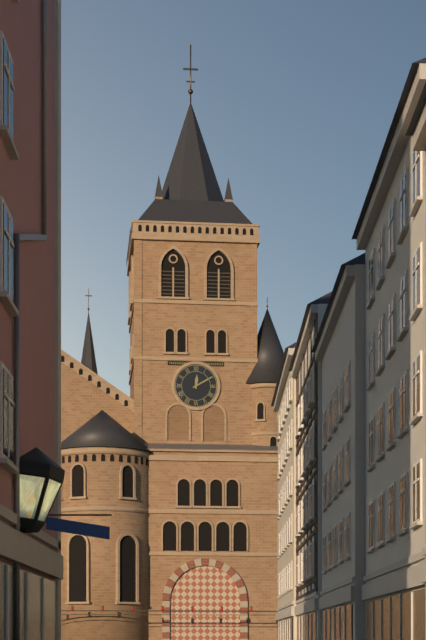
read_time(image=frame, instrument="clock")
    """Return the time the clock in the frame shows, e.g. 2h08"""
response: 12h10
